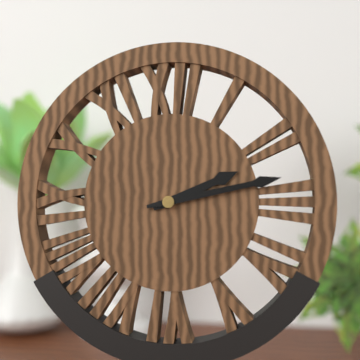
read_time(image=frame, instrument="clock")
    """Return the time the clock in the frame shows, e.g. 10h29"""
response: 2h13
